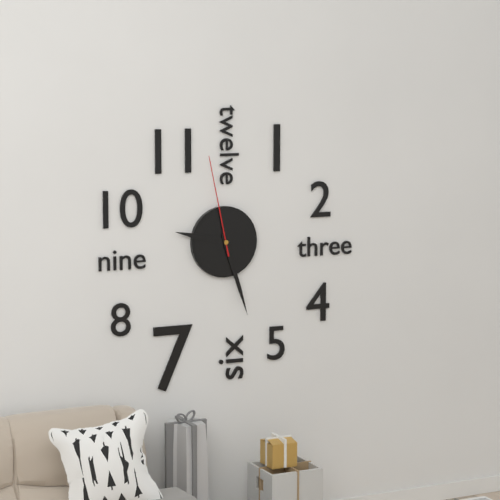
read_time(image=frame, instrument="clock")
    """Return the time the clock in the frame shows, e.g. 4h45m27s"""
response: 9h27m58s
